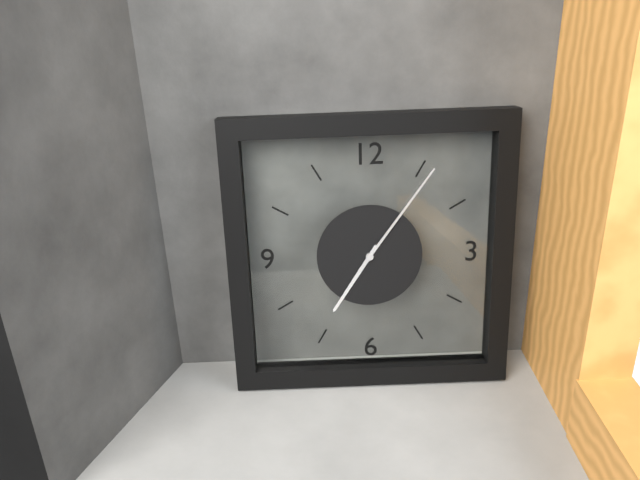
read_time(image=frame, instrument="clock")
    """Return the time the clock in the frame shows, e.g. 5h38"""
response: 7h06
